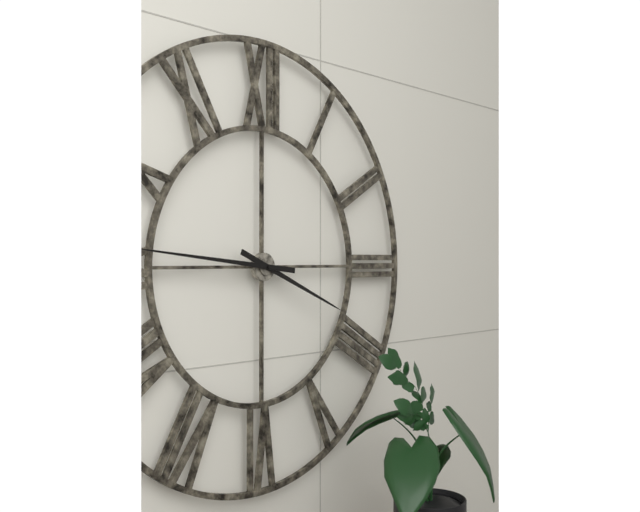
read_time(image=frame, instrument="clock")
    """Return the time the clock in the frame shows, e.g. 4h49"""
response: 3h46
